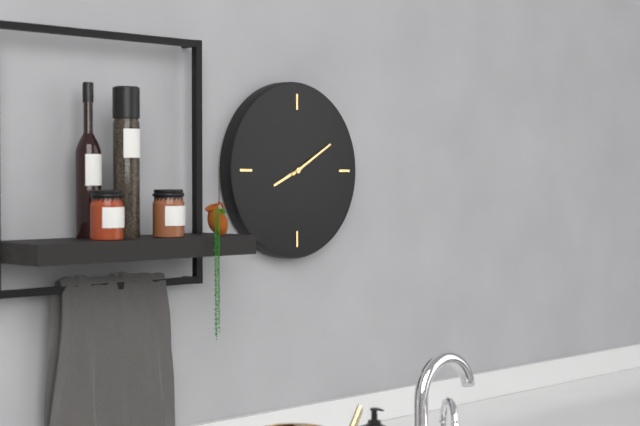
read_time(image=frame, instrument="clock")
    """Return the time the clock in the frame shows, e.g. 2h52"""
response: 8h10
